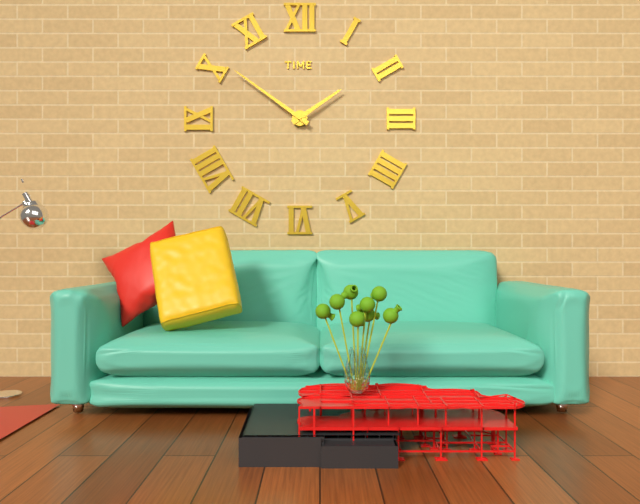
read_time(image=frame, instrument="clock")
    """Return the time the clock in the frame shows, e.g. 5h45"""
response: 1h51
